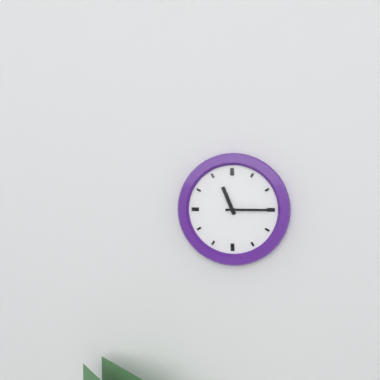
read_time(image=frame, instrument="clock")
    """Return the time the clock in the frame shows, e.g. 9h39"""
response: 11h15
